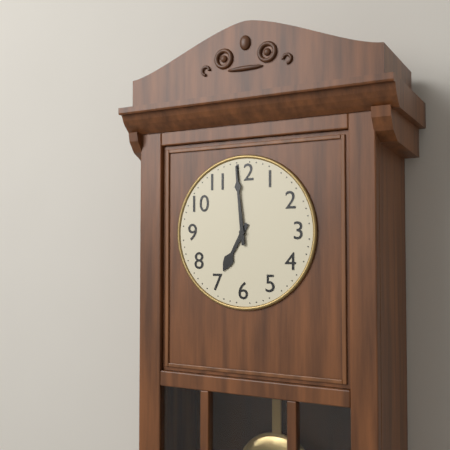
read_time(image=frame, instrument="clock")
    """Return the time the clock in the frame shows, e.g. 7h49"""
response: 6h59
